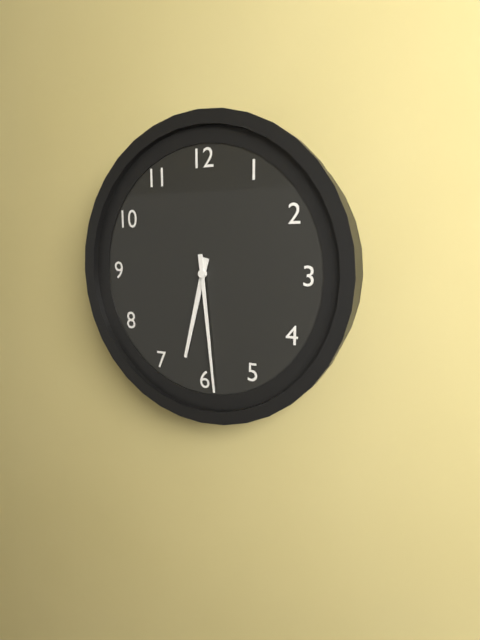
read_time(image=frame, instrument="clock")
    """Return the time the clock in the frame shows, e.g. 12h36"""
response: 6h29
